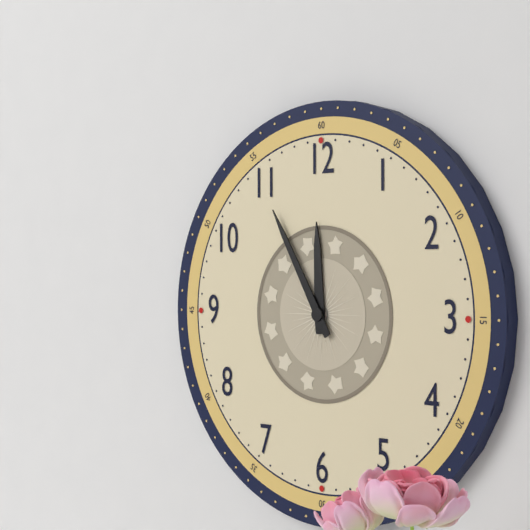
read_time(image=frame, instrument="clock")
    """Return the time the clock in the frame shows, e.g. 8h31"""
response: 11h55
